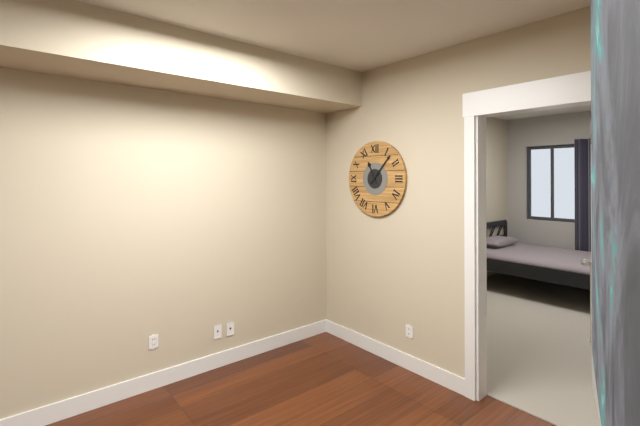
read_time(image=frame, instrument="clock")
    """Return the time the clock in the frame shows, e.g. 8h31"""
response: 11h07
